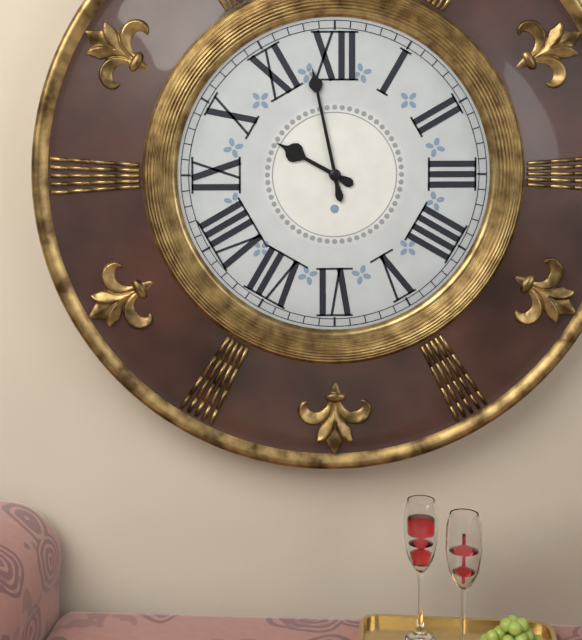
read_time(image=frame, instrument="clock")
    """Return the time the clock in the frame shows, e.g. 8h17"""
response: 9h58
